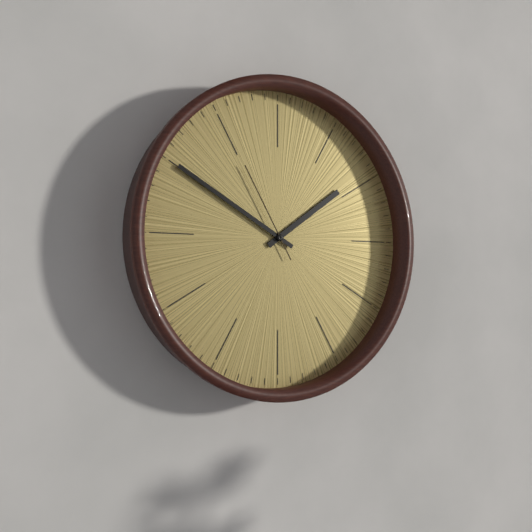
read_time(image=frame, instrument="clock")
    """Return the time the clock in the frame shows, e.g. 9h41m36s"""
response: 1h50m55s
